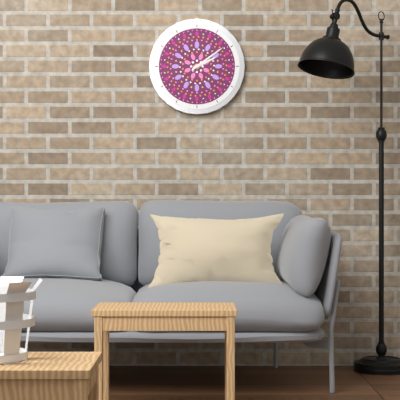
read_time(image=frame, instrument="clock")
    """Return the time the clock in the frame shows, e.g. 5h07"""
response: 2h09
